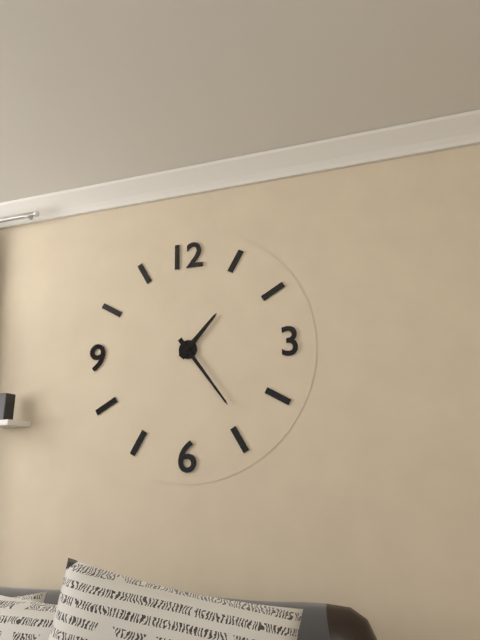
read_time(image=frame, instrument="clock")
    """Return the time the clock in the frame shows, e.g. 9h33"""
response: 1h24
